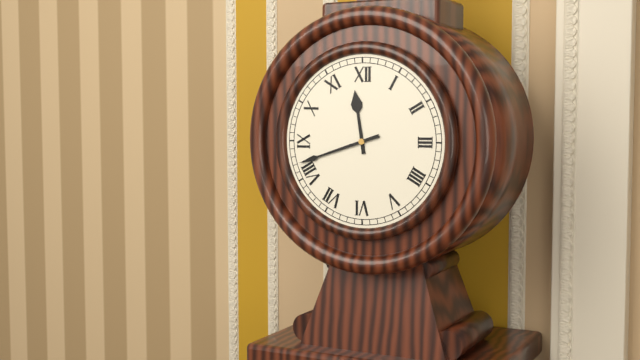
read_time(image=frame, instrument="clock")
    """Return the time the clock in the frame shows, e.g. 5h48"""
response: 11h42
